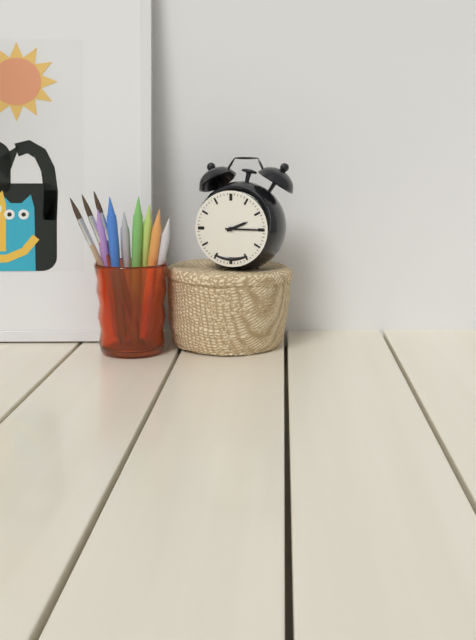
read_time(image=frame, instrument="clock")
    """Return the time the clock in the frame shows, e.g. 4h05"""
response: 2h15
